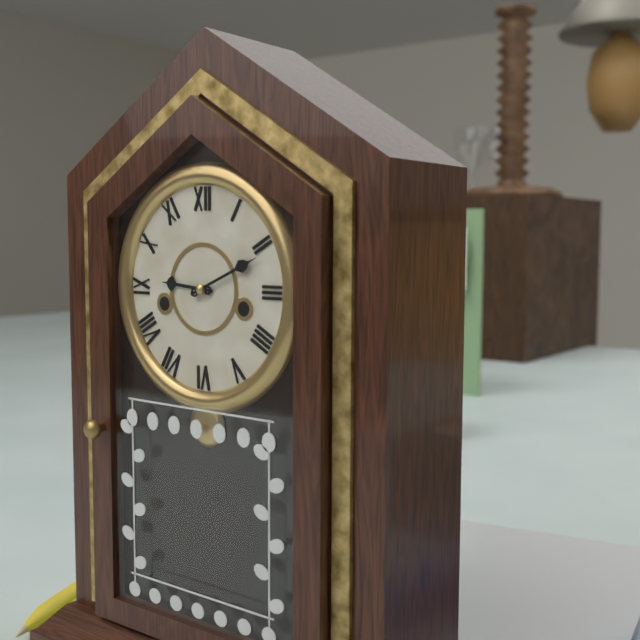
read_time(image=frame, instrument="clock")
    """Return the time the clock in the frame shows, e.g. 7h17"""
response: 9h11
